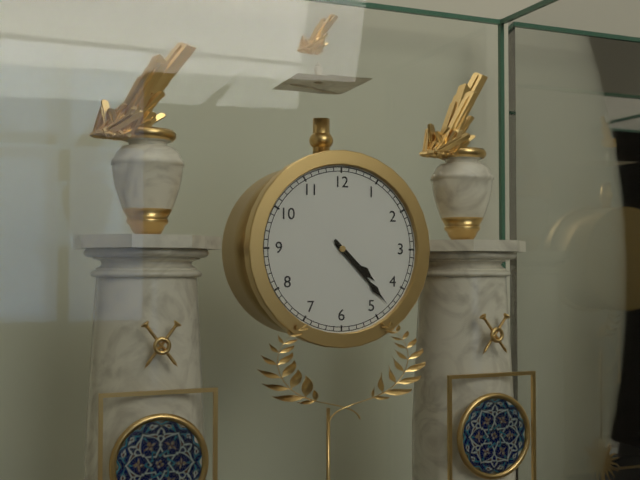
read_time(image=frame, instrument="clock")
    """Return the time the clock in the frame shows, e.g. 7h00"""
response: 4h23
